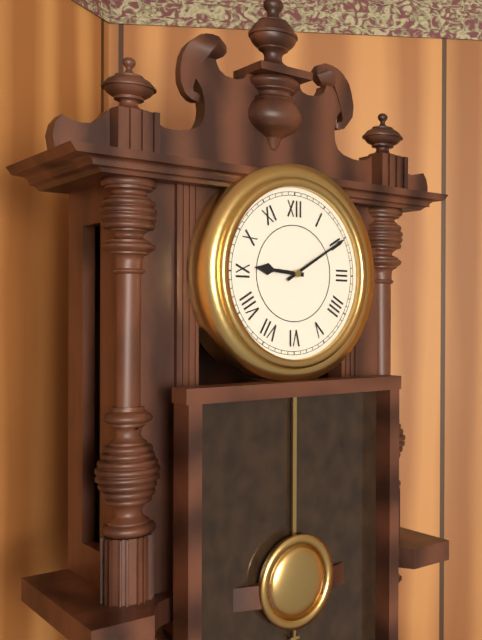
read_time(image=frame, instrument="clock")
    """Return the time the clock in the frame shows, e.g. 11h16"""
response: 9h10
